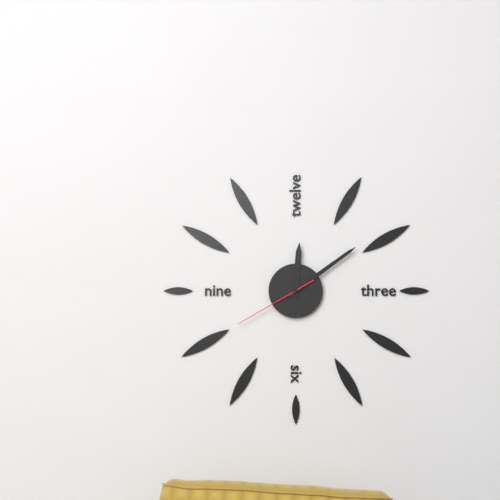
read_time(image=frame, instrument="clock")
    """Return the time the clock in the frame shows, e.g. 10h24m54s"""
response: 12h09m40s
